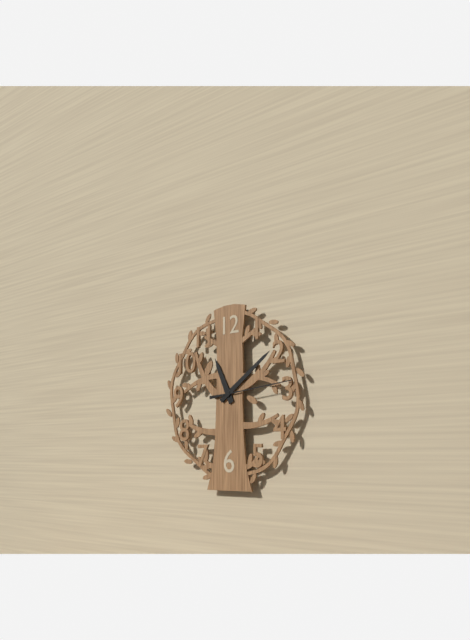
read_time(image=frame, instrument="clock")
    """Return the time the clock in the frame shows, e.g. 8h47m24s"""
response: 11h09m14s
